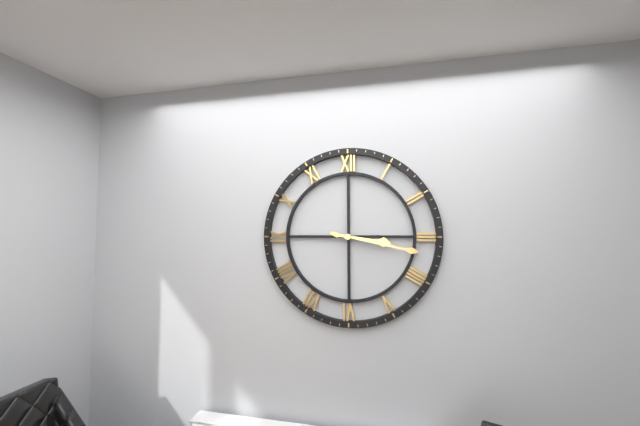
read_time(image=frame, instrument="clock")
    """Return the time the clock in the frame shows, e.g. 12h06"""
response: 3h17
